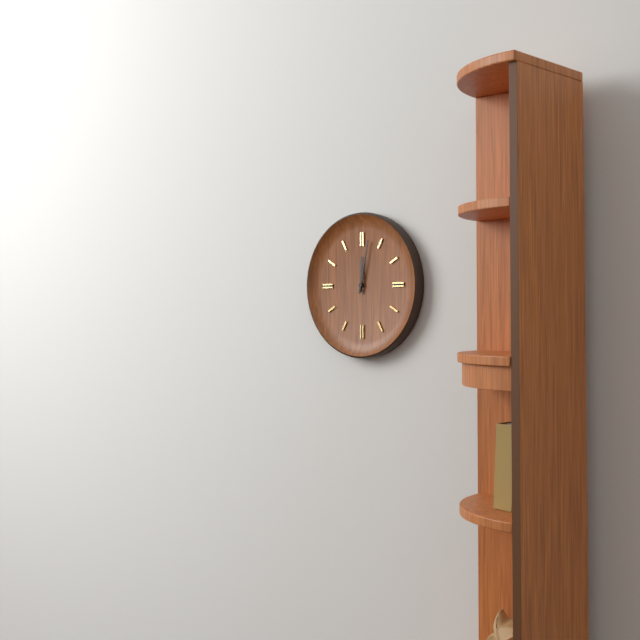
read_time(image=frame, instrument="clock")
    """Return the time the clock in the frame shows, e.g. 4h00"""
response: 12h02
